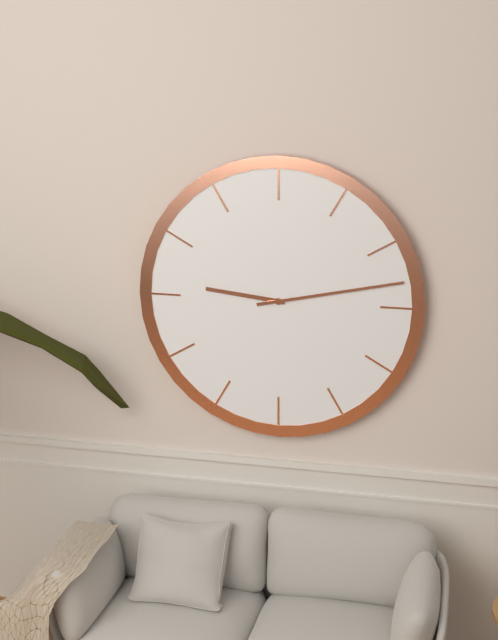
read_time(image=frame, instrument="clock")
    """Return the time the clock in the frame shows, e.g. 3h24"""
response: 9h13
